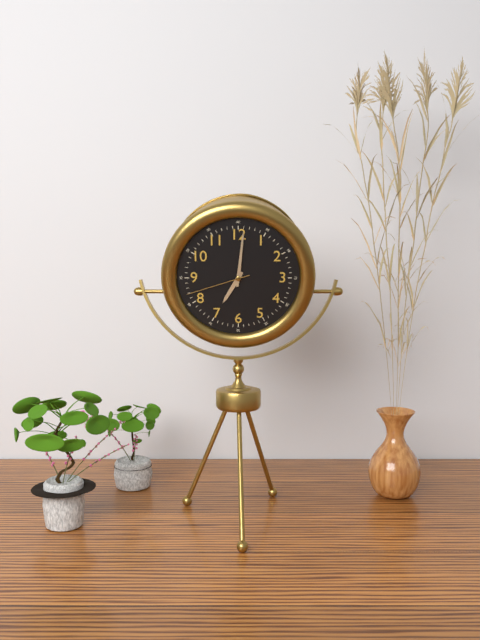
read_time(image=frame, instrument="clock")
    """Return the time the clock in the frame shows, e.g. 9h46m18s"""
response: 7h01m42s
